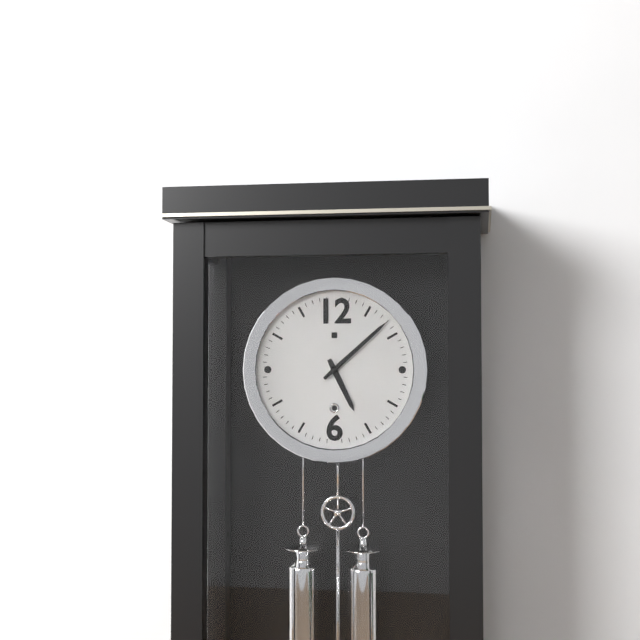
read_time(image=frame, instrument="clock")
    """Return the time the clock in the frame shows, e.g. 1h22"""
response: 5h08
